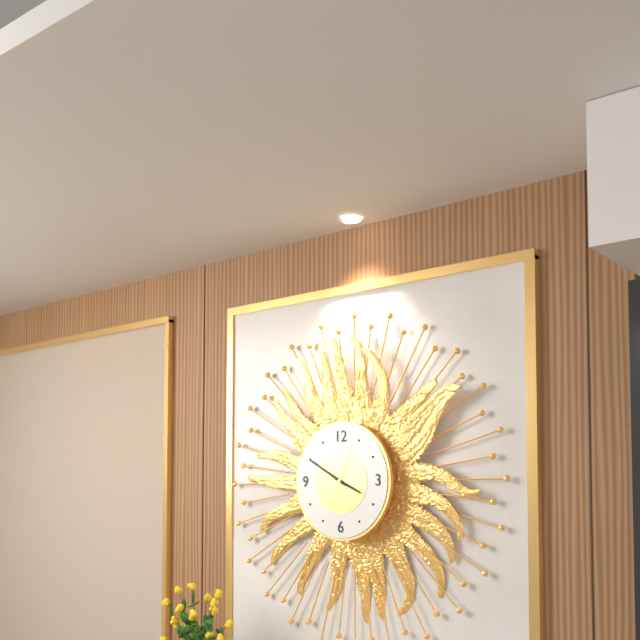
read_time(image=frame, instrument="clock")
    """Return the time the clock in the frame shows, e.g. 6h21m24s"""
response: 3h50m03s
